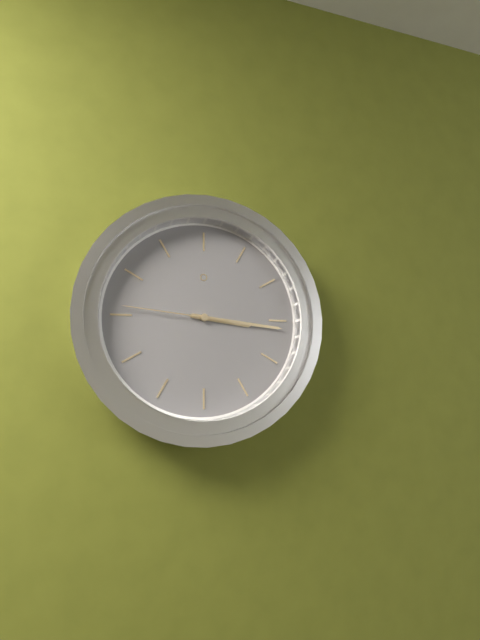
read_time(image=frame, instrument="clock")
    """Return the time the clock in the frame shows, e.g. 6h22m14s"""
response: 3h16m46s
